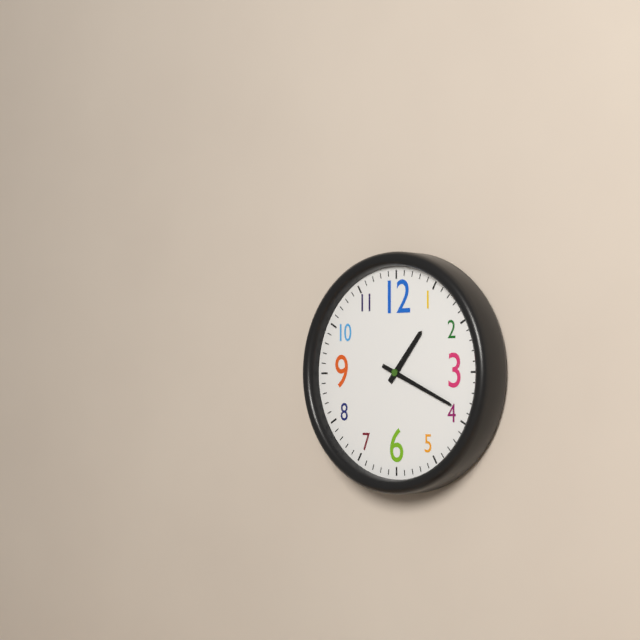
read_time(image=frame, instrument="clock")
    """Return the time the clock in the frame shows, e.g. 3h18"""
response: 1h19
